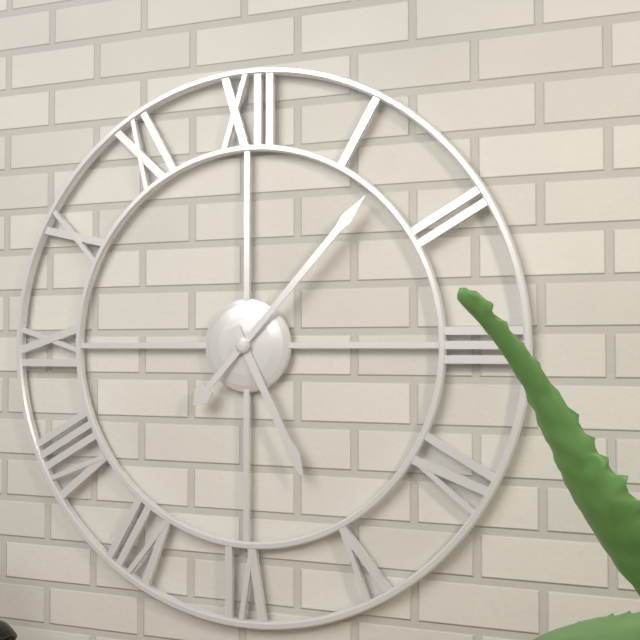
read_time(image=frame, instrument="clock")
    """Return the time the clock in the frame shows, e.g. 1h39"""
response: 5h07
